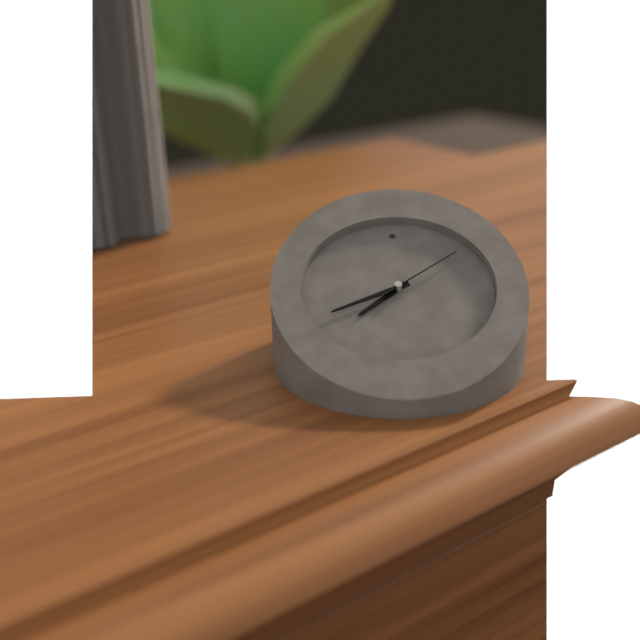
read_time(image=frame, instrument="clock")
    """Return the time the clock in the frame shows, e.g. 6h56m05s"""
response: 7h41m09s
